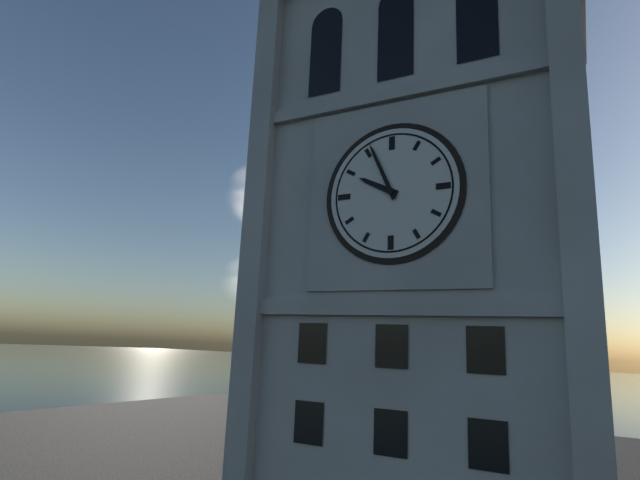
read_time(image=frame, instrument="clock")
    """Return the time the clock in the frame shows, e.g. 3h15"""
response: 9h56
